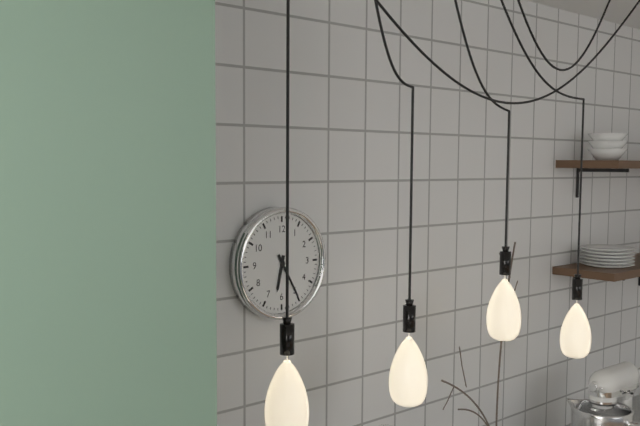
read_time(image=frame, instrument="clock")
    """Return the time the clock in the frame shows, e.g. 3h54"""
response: 6h25
